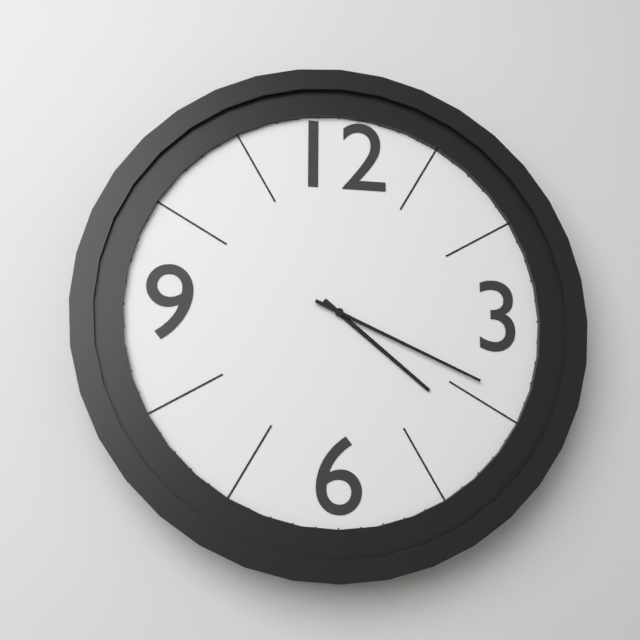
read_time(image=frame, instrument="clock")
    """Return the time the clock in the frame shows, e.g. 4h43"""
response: 4h19
